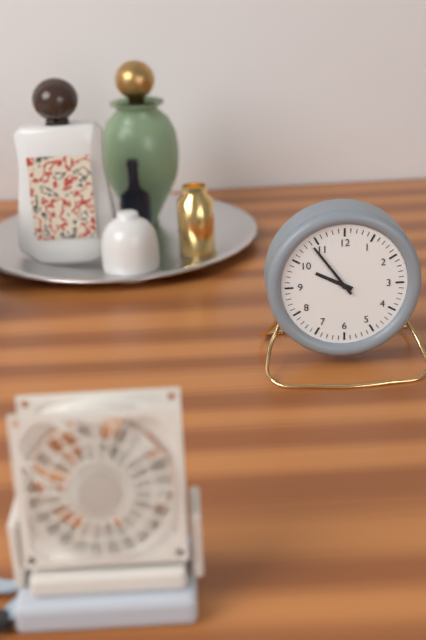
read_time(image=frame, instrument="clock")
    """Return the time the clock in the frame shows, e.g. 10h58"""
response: 9h54
